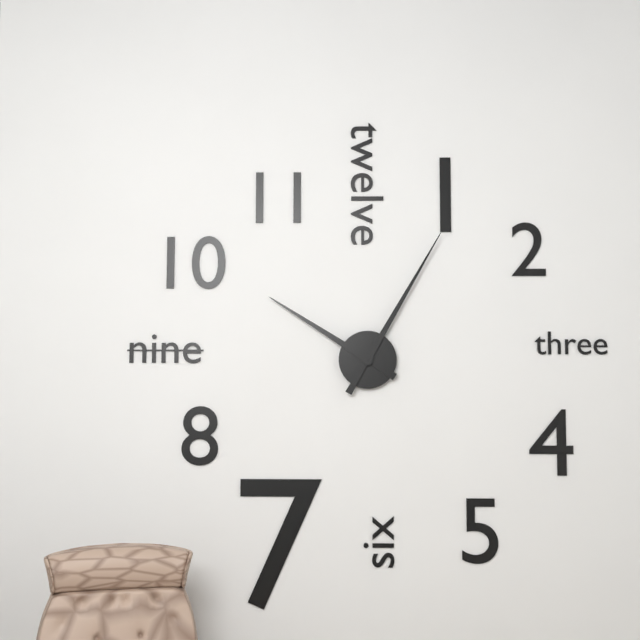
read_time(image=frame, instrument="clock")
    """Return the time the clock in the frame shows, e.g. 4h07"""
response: 10h05
